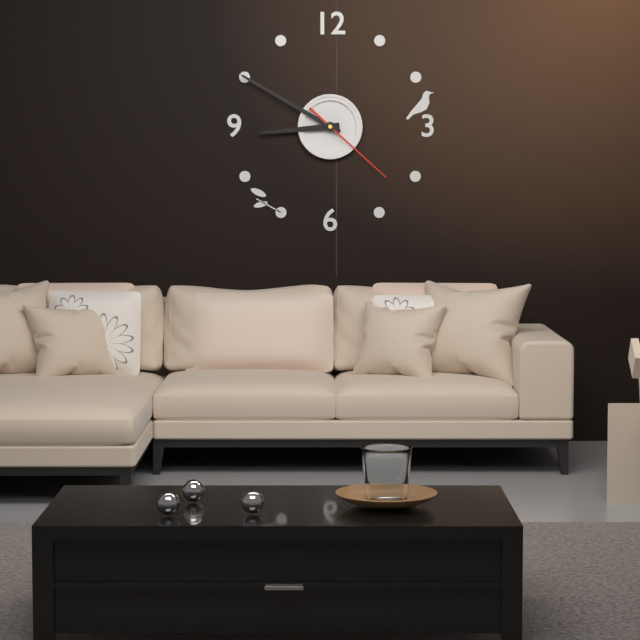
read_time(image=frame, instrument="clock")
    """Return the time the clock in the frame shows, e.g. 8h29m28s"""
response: 8h50m22s
